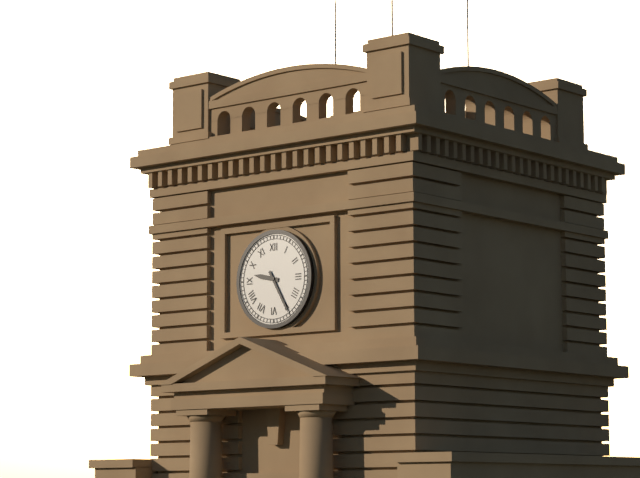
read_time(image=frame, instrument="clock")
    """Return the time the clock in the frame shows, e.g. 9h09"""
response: 9h25
